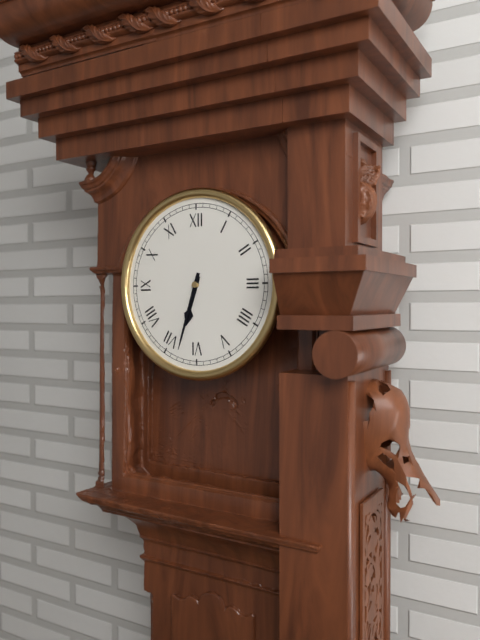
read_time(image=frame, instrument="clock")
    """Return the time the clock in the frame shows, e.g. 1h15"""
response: 6h33
